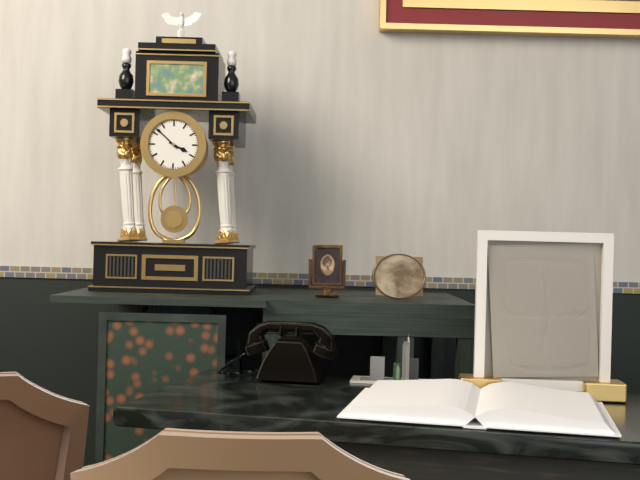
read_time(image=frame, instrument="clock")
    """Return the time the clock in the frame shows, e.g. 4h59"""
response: 3h52
